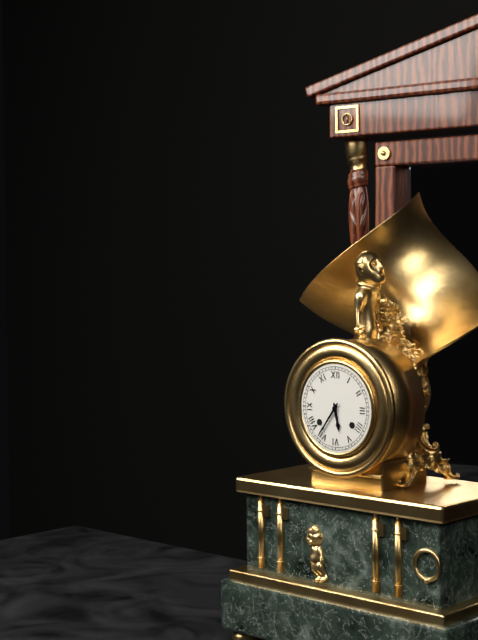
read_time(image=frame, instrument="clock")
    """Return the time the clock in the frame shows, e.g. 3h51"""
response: 5h36
